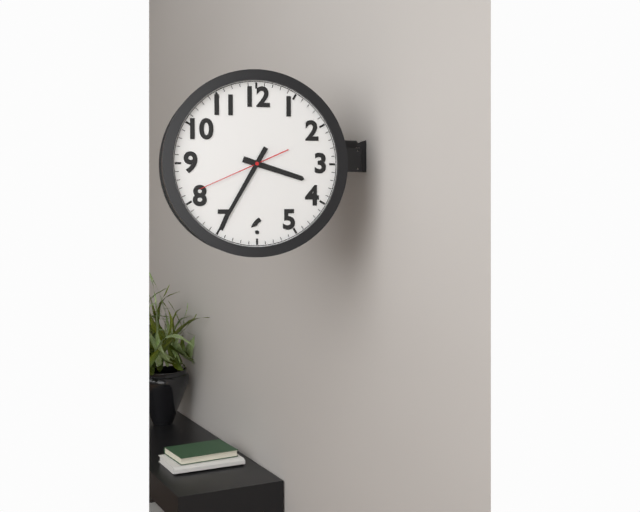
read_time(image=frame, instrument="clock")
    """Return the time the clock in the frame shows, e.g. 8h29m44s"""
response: 3h35m41s
